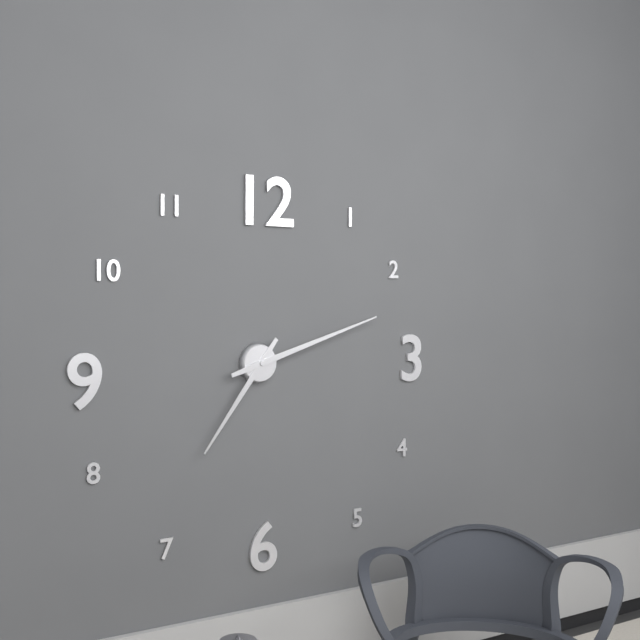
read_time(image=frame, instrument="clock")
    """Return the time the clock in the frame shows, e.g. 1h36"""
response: 7h12
